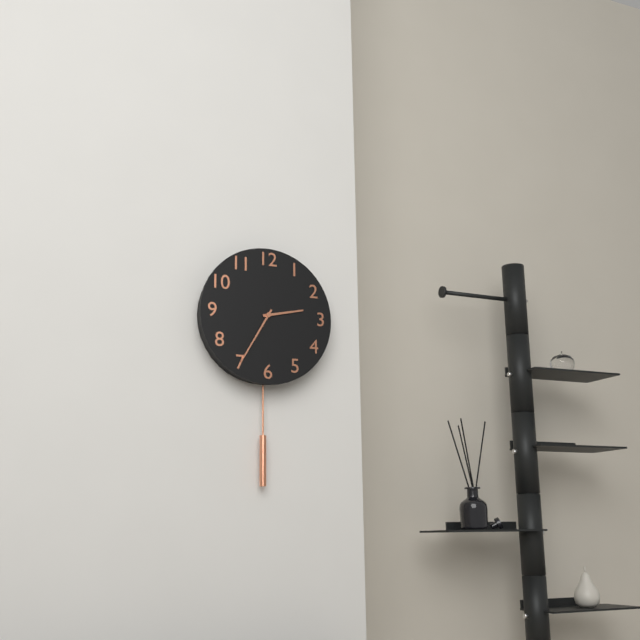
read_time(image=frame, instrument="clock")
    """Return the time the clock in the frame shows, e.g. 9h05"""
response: 2h35
